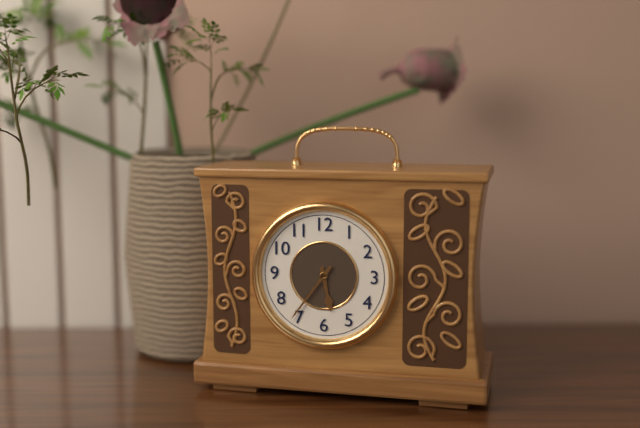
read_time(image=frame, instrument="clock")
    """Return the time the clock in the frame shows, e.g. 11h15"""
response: 5h36
